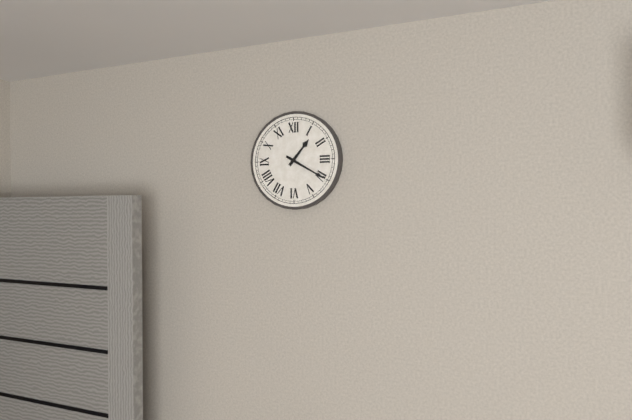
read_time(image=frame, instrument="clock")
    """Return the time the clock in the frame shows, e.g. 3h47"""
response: 1h20
